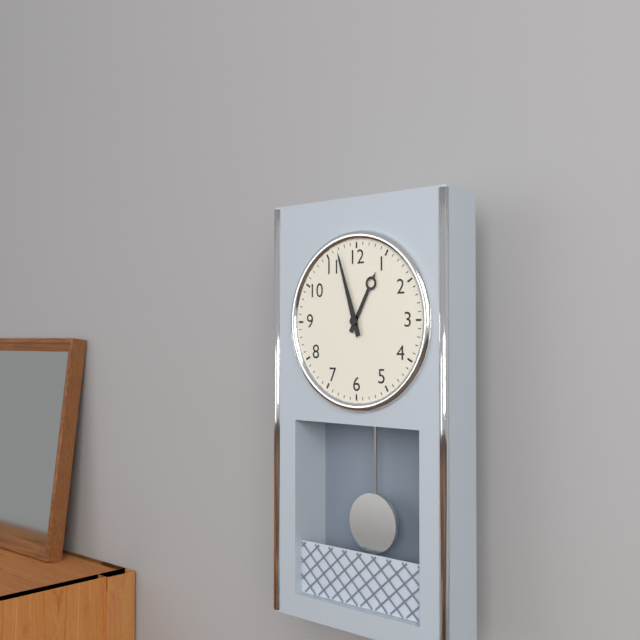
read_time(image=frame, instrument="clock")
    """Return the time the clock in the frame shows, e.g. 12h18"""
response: 12h57
